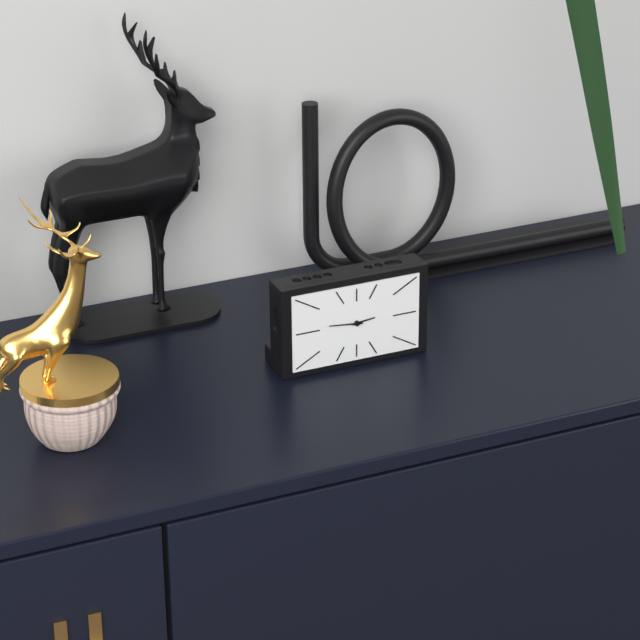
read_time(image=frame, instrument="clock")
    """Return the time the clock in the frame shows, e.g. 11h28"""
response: 2h46
